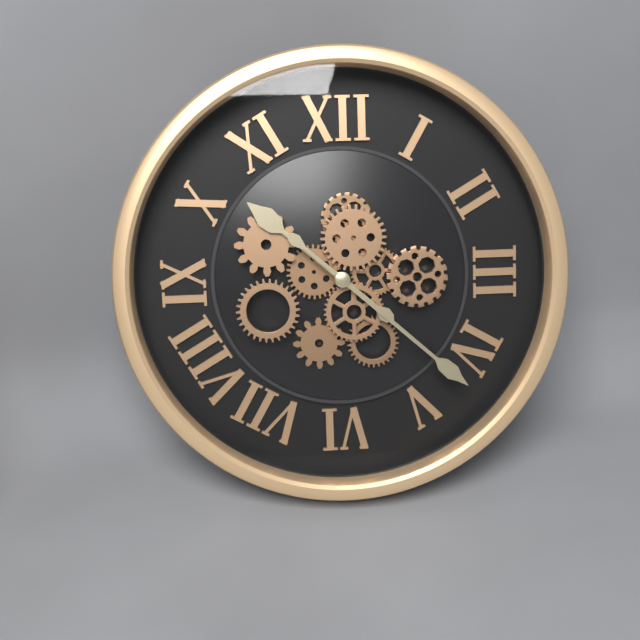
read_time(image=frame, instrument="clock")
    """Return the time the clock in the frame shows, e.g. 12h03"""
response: 10h22
